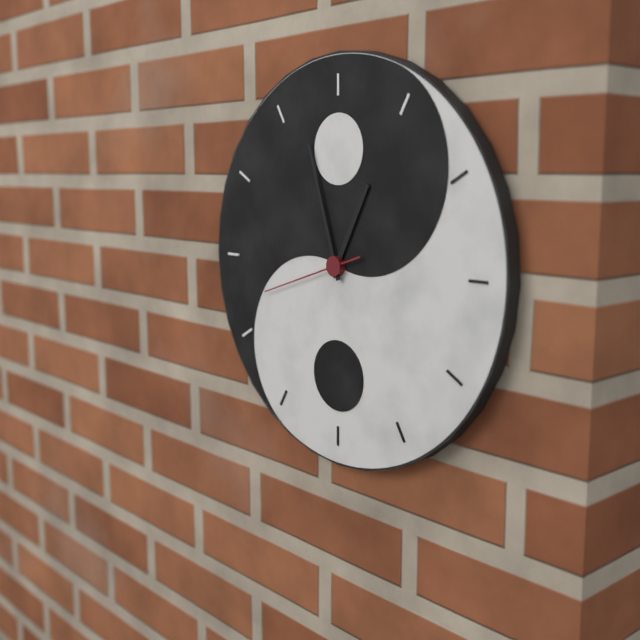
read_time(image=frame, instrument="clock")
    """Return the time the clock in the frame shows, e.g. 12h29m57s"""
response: 12h57m42s
